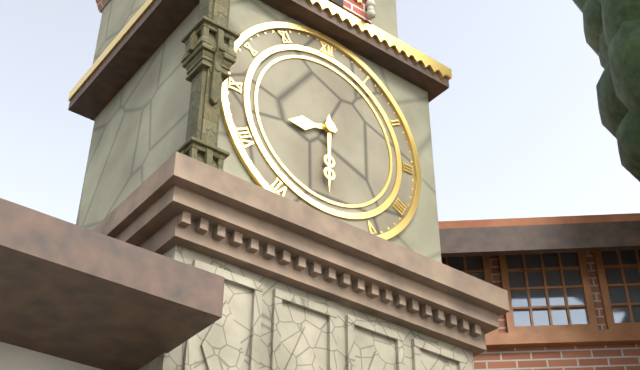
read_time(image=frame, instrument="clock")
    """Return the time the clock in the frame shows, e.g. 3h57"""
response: 8h30
